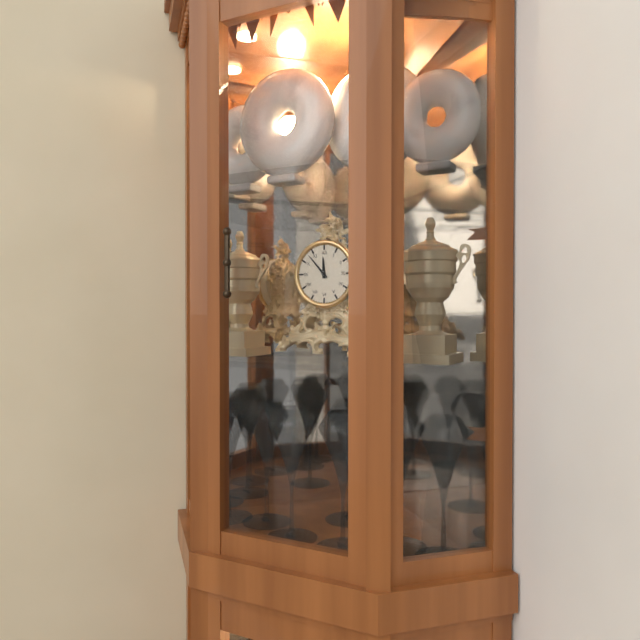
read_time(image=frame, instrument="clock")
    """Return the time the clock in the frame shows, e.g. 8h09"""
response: 11h53
